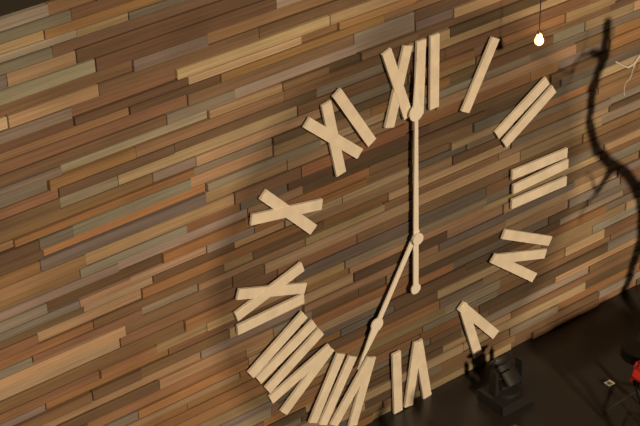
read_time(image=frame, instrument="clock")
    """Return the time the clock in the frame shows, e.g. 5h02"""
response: 7h00
